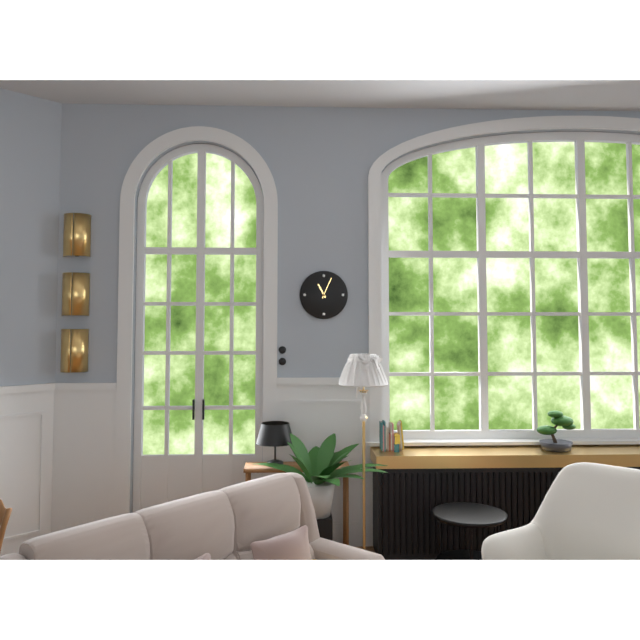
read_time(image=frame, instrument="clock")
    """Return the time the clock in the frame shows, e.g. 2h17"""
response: 11h04
